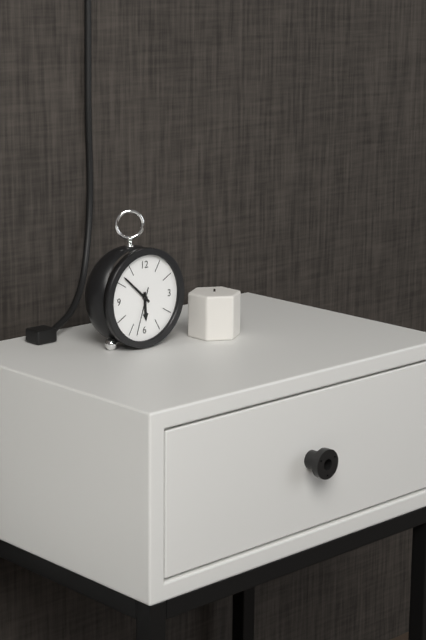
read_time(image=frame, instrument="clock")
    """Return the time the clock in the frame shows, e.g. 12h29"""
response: 5h52
